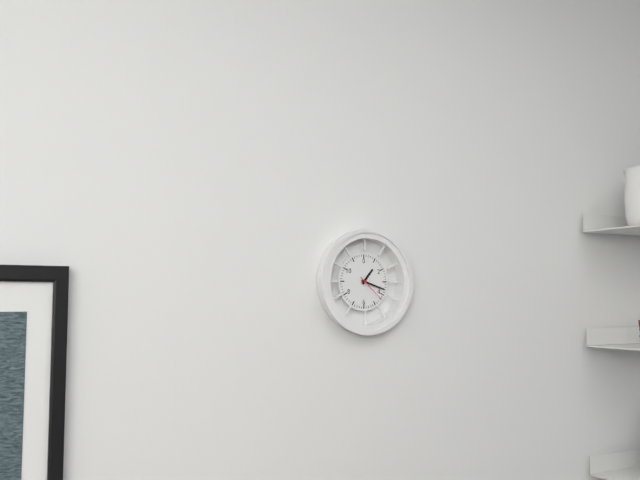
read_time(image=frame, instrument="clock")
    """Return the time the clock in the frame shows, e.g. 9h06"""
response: 1h18
